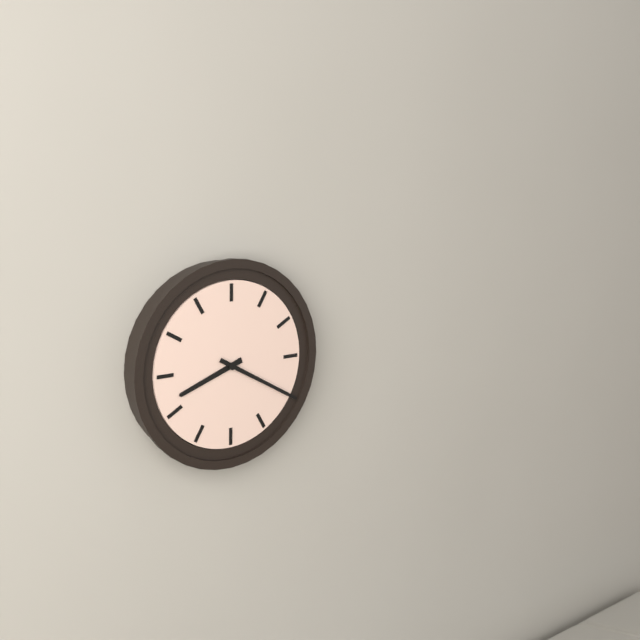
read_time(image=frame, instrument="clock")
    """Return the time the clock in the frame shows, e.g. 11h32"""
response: 8h20
